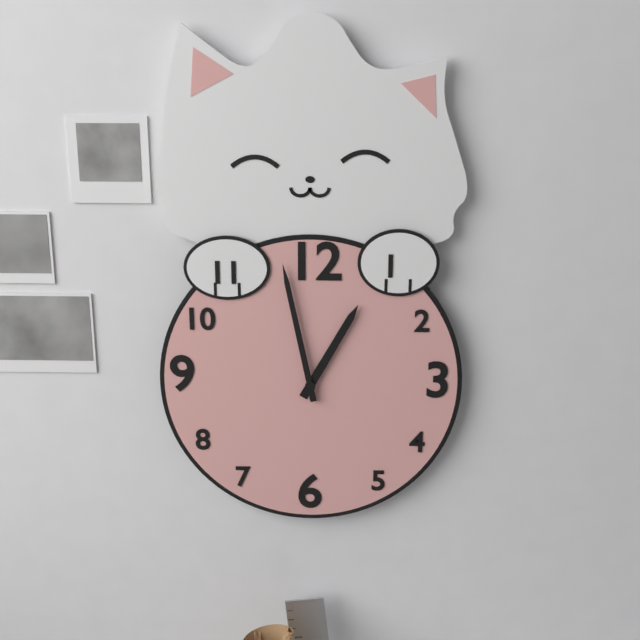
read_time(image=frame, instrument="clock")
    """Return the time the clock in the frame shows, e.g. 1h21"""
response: 12h58
